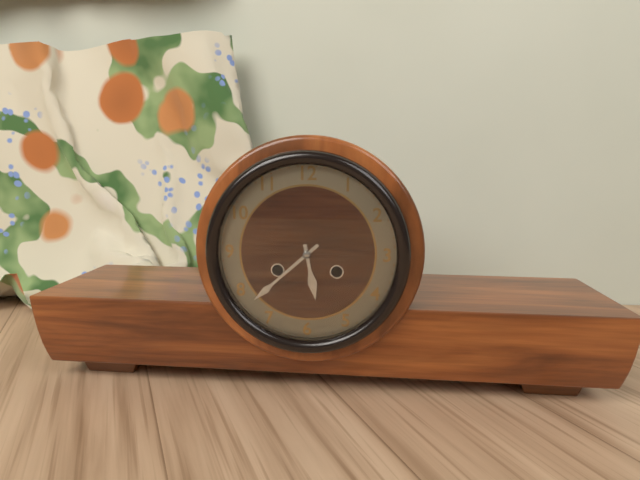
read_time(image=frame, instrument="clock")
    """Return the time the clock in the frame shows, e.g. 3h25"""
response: 5h38
